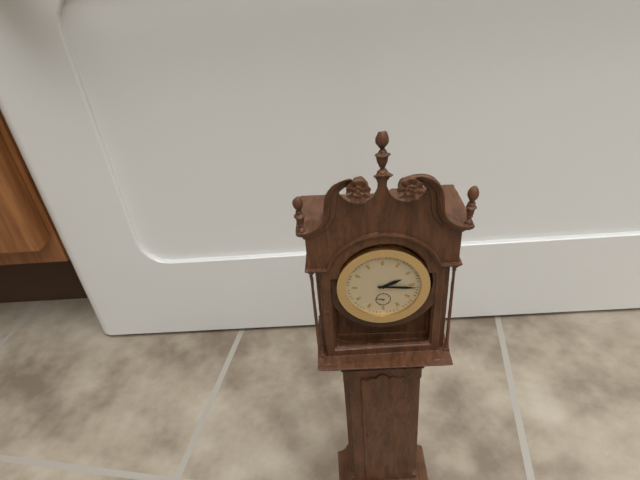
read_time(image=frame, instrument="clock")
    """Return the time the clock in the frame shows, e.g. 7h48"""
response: 2h16
